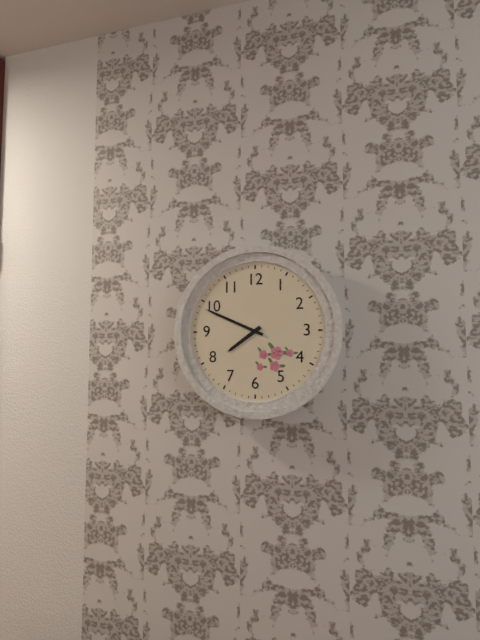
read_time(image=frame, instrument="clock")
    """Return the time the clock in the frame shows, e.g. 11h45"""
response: 7h49
